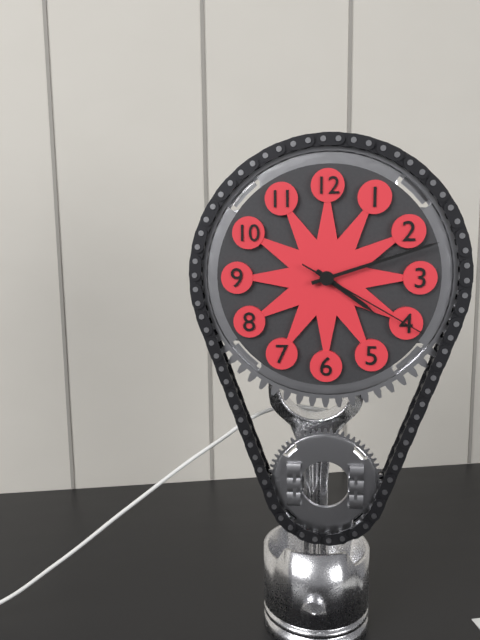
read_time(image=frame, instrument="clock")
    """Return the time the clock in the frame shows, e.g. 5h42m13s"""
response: 4h12m20s
